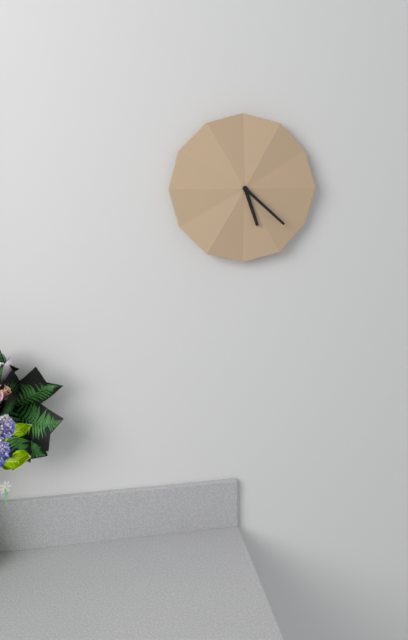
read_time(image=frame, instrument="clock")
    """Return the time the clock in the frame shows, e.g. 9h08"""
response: 5h22
